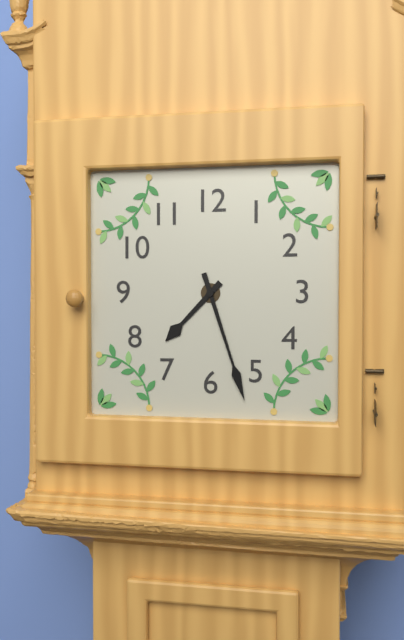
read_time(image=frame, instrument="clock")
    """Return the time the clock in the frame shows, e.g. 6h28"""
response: 7h27
